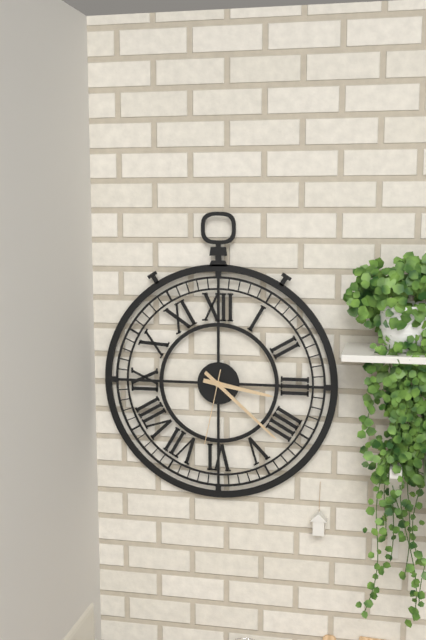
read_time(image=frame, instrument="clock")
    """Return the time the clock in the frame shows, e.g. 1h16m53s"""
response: 3h22m32s
